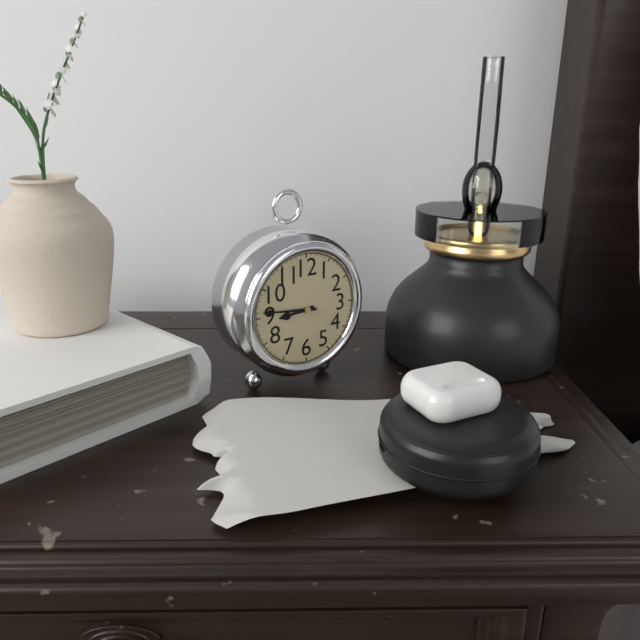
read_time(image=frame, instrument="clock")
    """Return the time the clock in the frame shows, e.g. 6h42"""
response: 8h46
